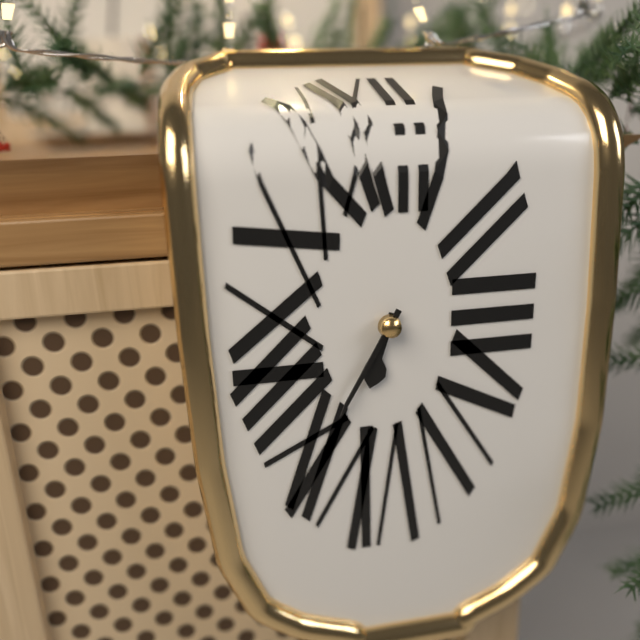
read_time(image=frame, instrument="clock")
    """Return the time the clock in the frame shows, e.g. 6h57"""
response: 6h35
